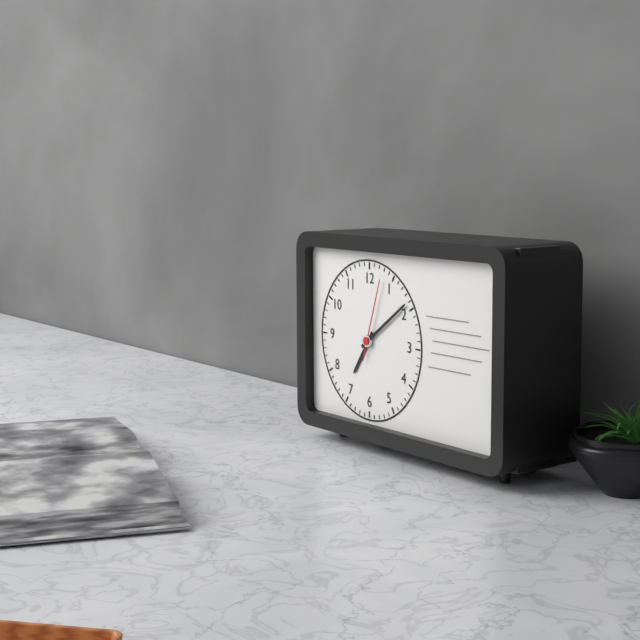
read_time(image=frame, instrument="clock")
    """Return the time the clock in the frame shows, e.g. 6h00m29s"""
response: 7h09m03s
